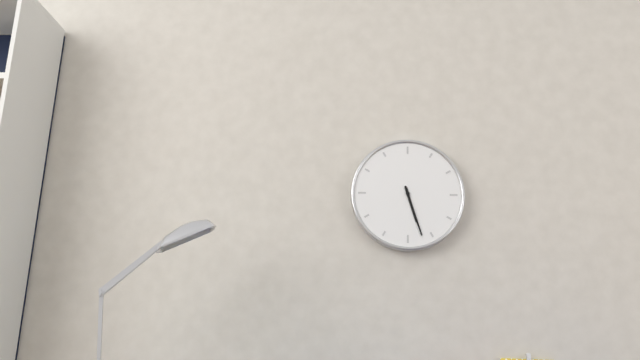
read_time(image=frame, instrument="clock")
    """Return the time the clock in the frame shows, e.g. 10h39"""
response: 5h27
